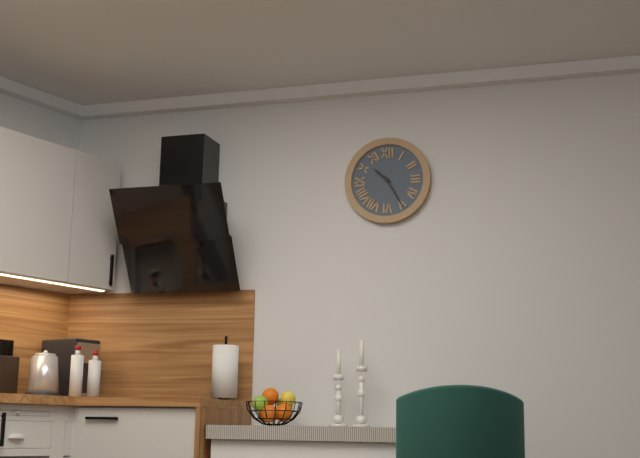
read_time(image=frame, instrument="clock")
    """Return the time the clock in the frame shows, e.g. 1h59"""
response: 10h25
